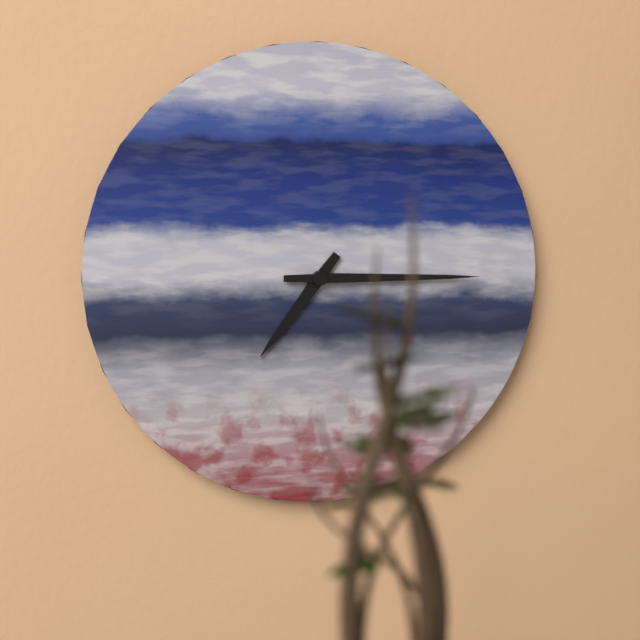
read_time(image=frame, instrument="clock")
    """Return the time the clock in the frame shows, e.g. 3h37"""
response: 7h15
